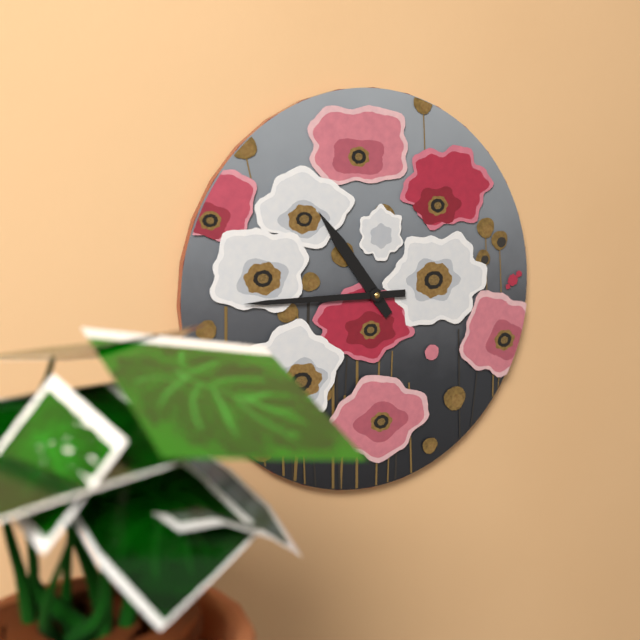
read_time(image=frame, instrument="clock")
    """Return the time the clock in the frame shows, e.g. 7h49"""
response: 10h45
